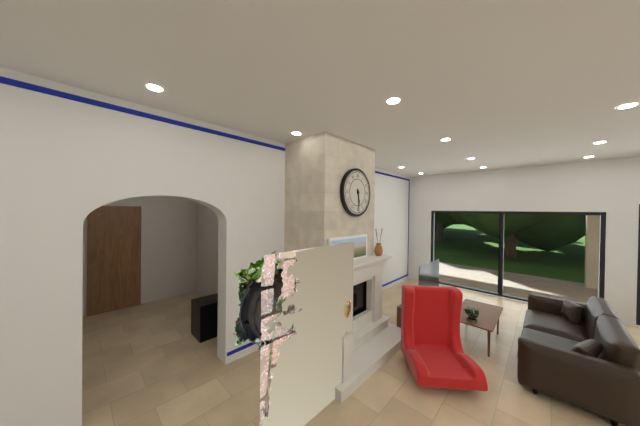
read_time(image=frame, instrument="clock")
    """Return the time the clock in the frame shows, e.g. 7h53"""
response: 5h29
